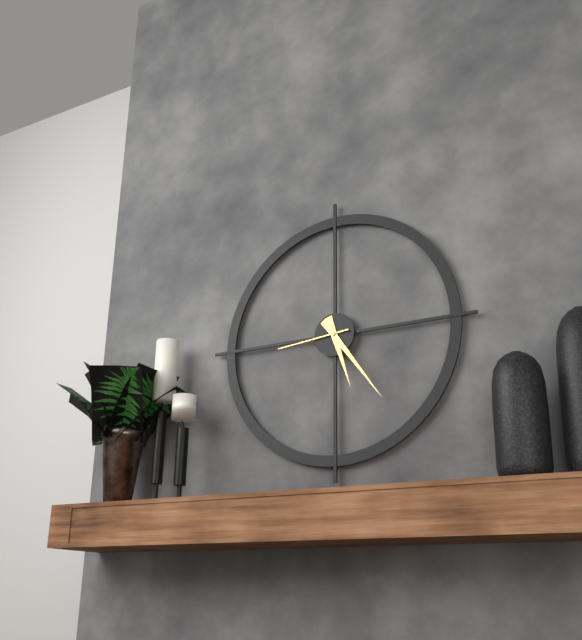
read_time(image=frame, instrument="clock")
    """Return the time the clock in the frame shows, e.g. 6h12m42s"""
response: 5h24m44s
